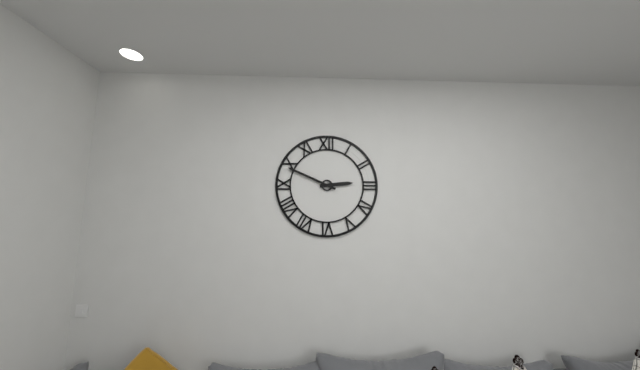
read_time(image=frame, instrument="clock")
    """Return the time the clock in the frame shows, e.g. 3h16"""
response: 2h49
